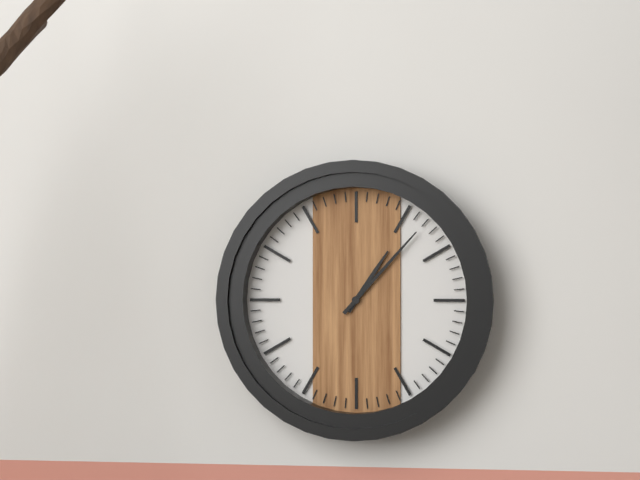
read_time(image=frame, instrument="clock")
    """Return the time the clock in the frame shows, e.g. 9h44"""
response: 1h07
